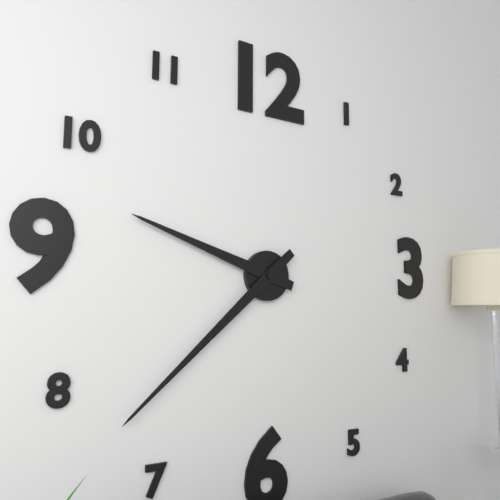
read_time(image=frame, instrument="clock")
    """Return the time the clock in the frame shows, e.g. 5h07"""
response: 9h38
